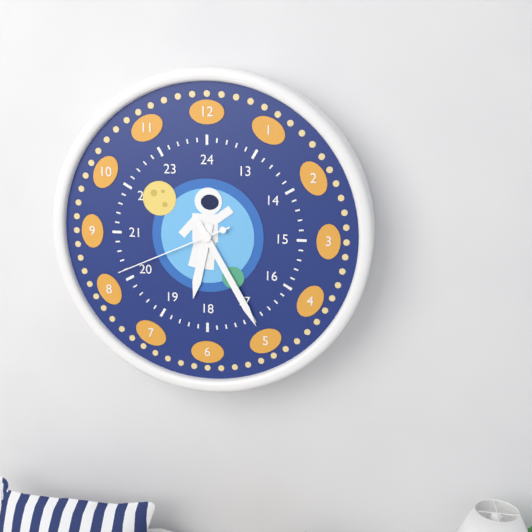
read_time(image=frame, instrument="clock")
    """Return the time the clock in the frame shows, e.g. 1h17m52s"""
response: 6h25m41s
